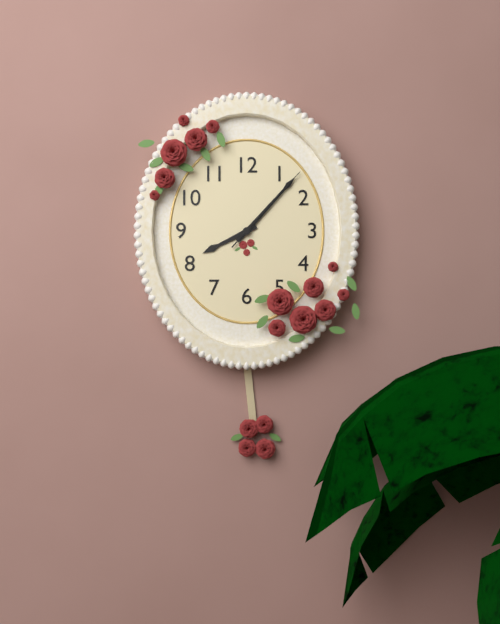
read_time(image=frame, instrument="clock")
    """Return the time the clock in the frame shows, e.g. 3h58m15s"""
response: 8h07m07s
